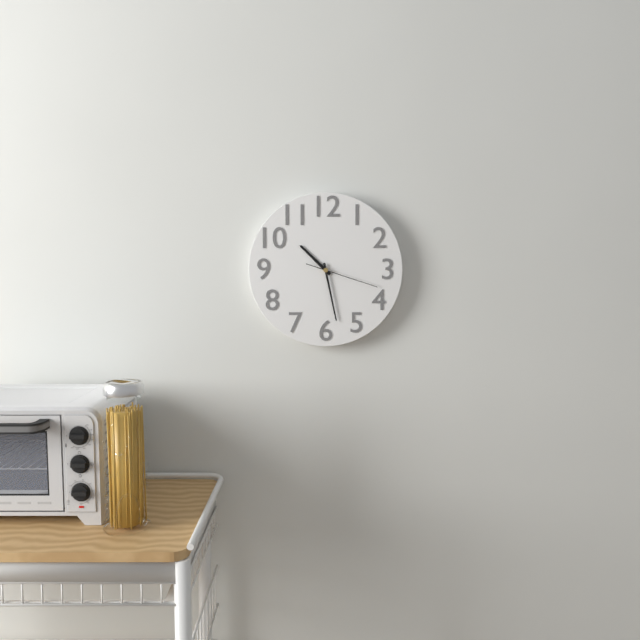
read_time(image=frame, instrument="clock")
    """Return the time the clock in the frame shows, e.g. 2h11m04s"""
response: 10h28m18s
